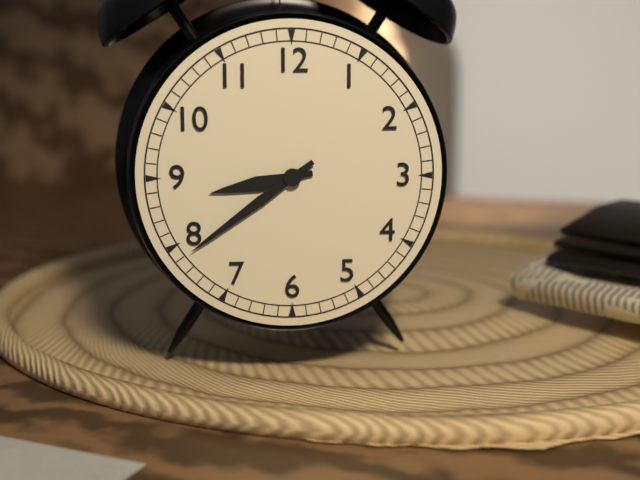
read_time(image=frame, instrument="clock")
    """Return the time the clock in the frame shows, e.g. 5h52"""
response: 8h39
